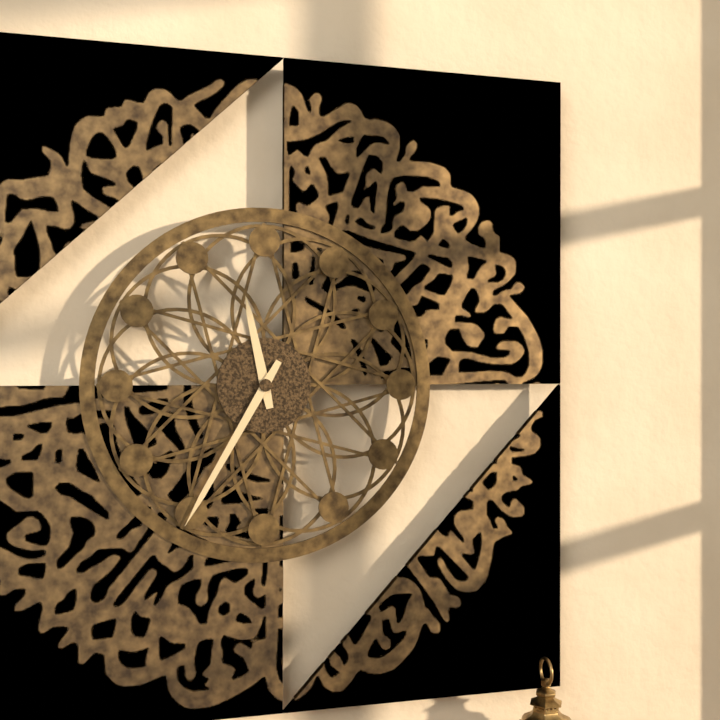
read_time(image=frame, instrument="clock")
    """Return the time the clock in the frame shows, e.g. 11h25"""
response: 11h35
